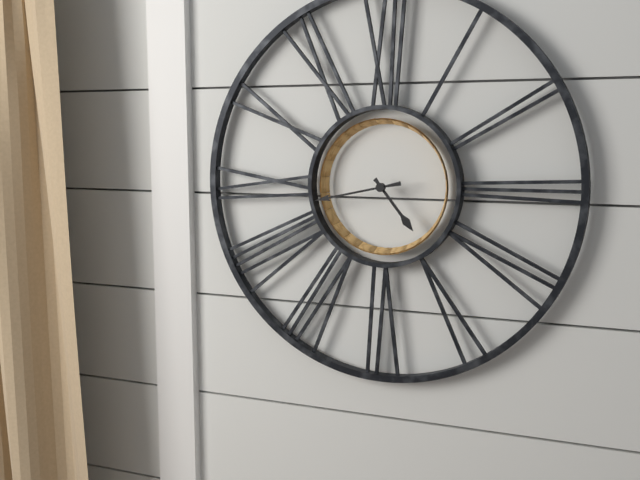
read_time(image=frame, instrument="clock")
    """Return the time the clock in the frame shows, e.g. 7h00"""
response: 4h43
